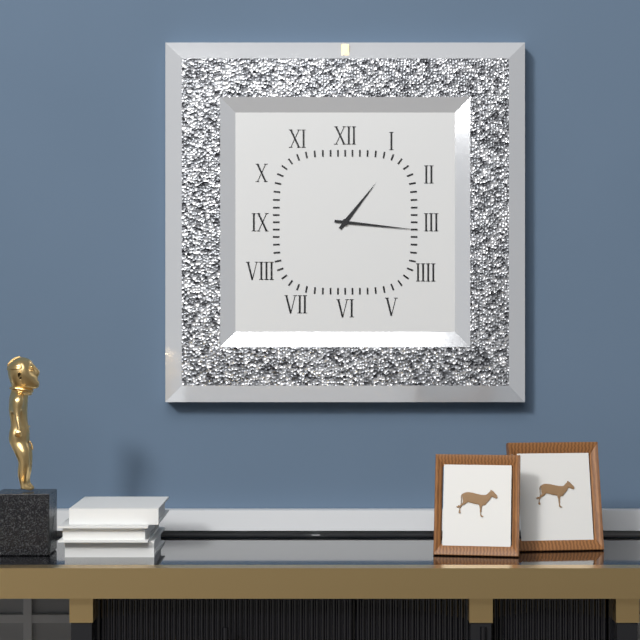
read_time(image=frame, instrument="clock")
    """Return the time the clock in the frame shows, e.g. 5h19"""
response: 1h16
